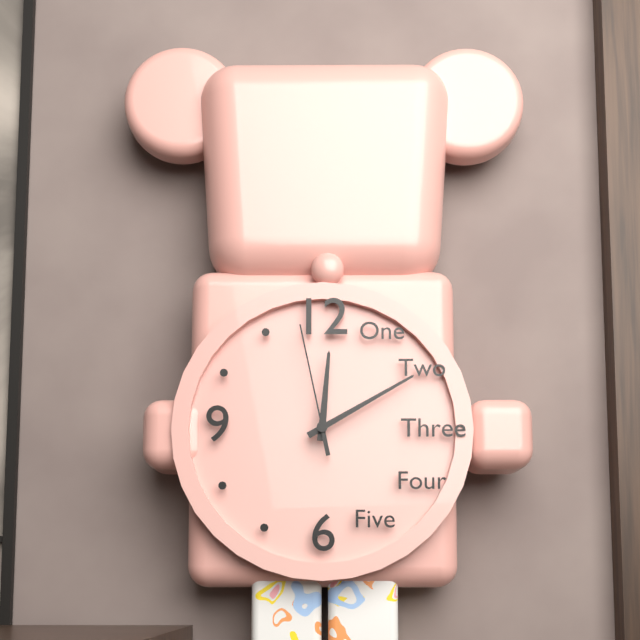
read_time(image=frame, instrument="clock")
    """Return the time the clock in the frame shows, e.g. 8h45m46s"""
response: 12h10m58s
